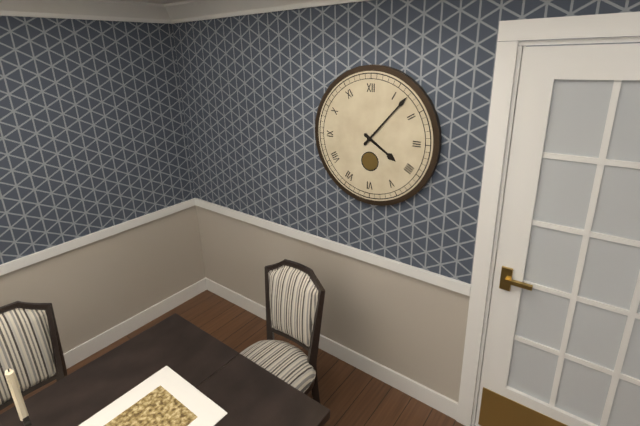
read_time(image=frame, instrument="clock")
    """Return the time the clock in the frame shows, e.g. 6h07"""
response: 4h07
